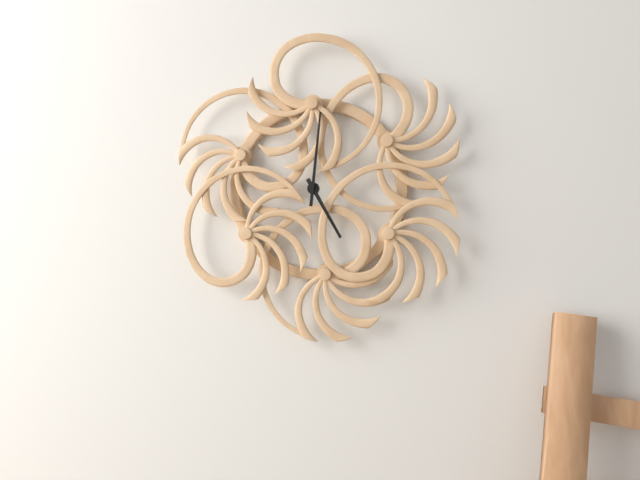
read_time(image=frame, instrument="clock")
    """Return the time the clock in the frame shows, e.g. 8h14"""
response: 5h01
